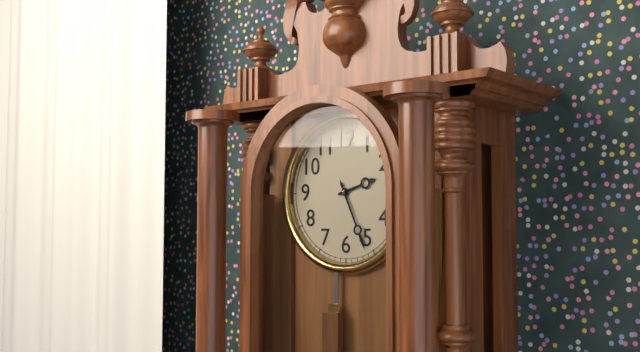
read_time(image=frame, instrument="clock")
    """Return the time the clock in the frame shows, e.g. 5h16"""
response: 2h26
